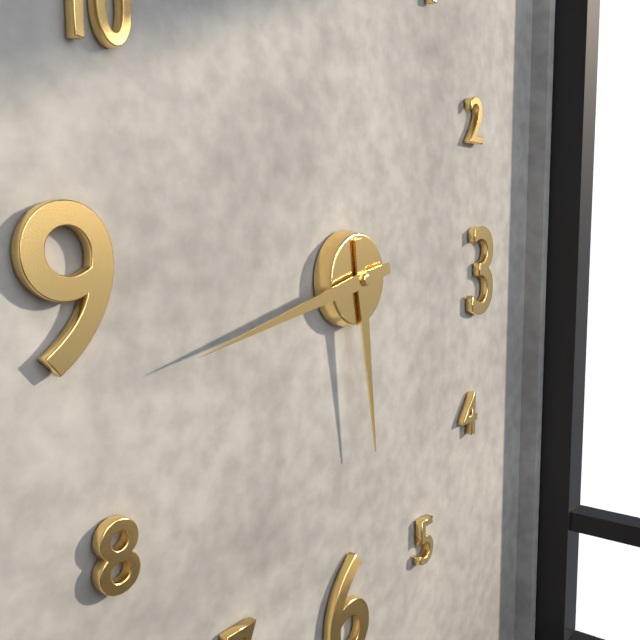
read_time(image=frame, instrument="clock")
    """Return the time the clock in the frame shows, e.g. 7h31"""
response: 5h43
